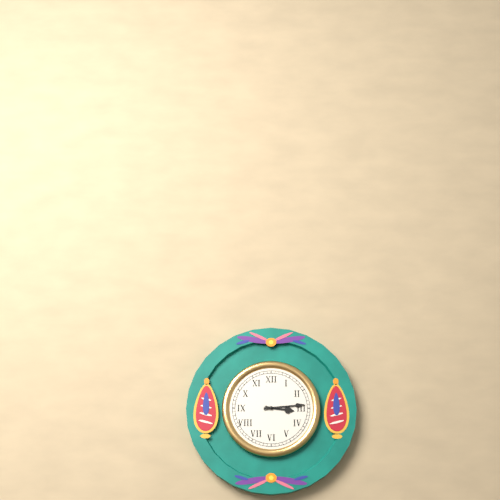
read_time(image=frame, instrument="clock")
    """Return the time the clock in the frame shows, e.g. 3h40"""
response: 3h14
